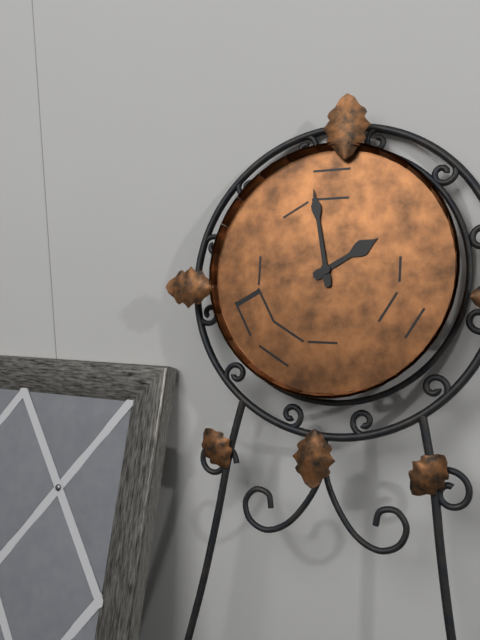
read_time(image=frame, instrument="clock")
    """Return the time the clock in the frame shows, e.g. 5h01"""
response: 1h58
